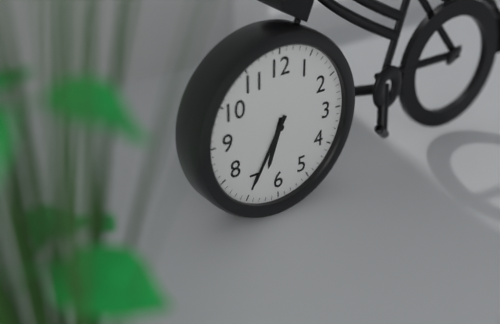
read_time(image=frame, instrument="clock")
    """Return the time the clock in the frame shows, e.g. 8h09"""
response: 6h35
